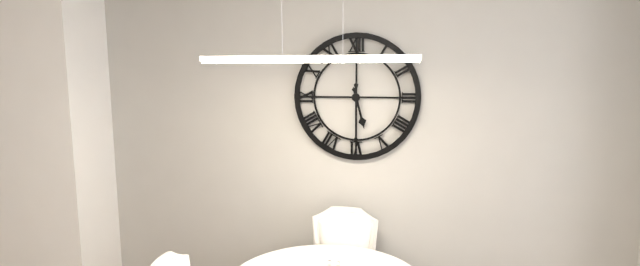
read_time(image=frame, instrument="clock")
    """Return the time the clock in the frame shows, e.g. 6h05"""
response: 5h30
